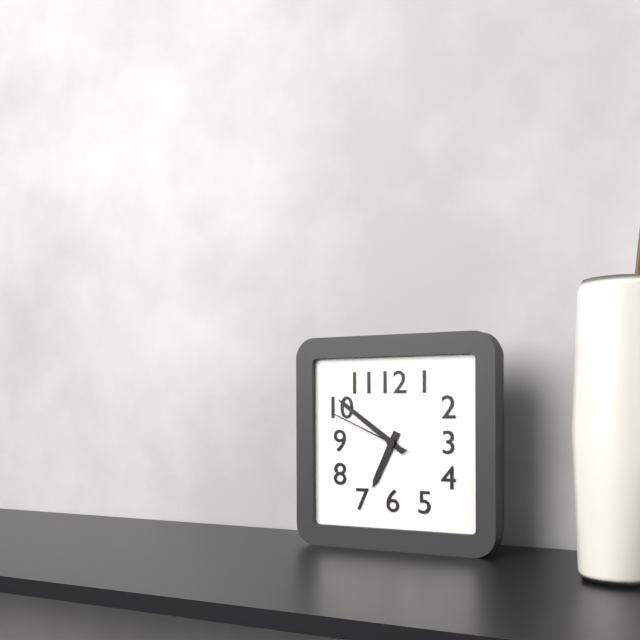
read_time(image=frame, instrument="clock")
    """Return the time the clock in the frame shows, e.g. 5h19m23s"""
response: 6h51m49s
